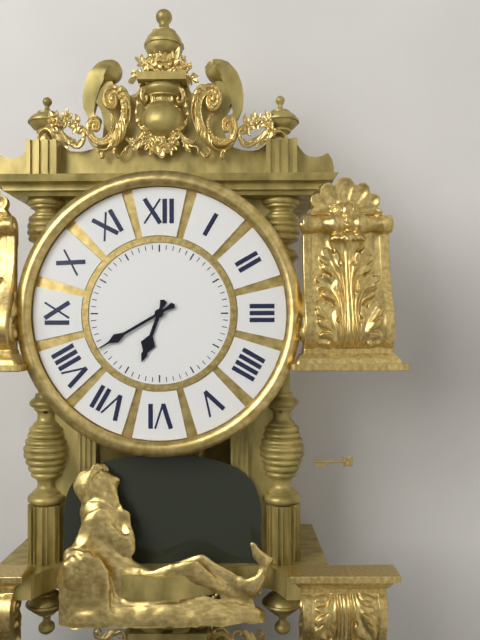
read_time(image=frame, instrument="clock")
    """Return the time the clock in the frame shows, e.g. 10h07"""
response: 6h40
